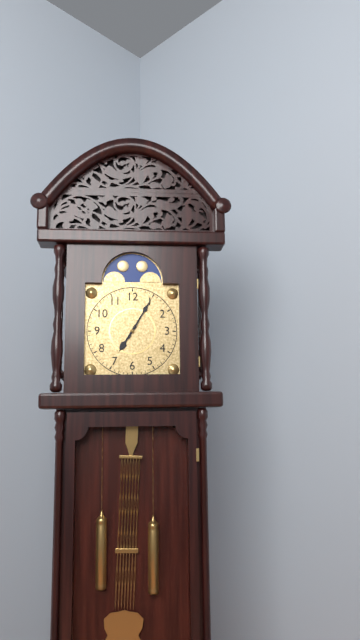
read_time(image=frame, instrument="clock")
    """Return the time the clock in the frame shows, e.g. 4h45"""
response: 7h05
